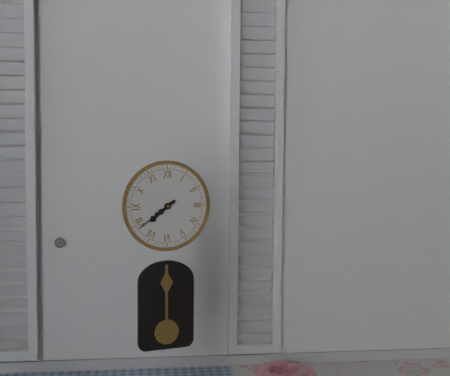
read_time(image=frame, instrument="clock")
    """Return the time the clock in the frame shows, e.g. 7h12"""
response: 7h39
